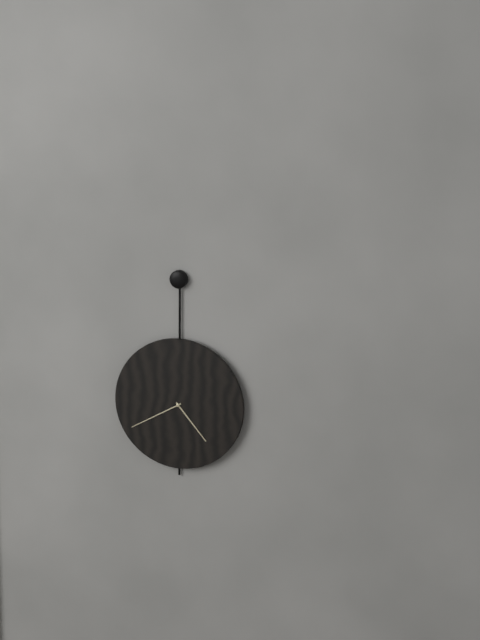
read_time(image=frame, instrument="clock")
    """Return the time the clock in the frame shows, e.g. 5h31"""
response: 4h40
